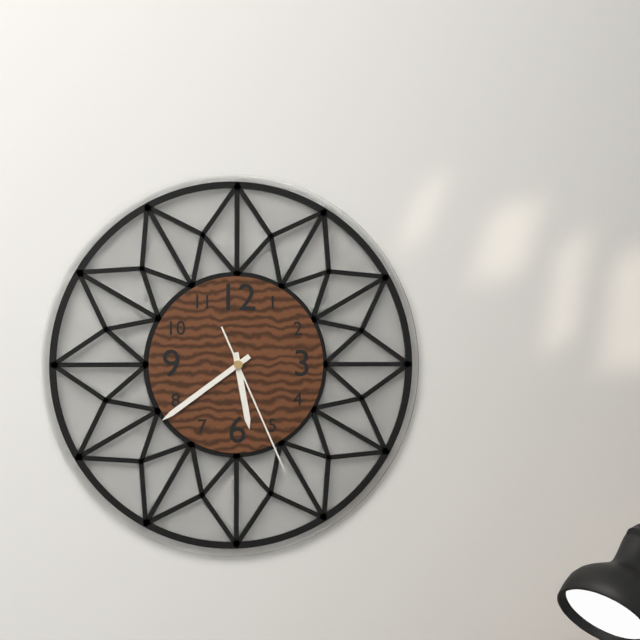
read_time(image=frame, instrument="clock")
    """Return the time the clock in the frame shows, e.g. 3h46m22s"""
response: 5h39m26s
